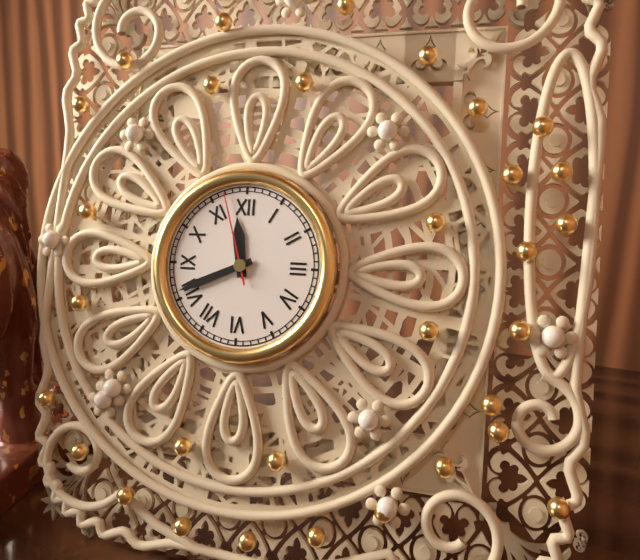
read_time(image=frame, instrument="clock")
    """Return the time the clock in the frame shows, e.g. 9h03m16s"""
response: 11h41m57s
